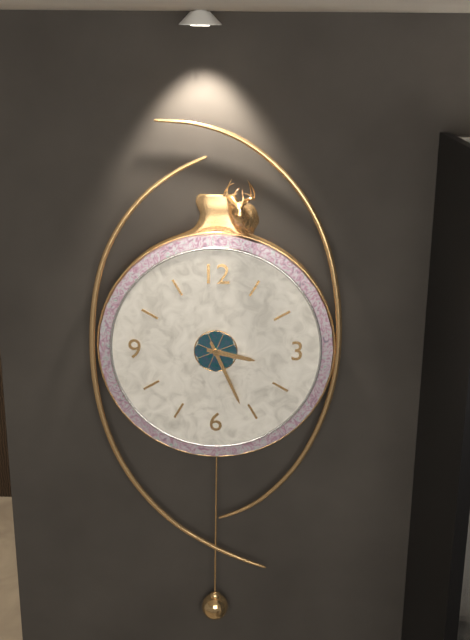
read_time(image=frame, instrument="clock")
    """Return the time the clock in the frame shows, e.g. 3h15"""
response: 3h26
